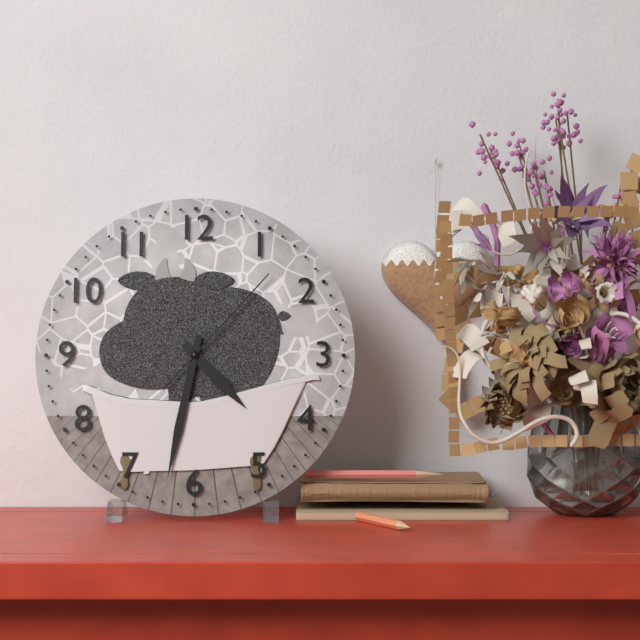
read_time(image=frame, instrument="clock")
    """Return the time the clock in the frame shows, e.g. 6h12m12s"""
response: 4h32m07s
